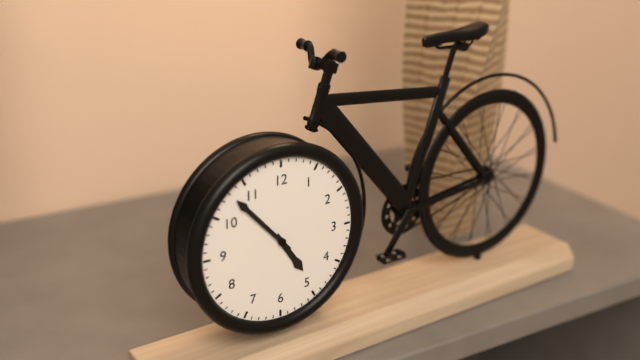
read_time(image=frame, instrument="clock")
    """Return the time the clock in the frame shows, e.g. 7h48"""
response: 4h53
